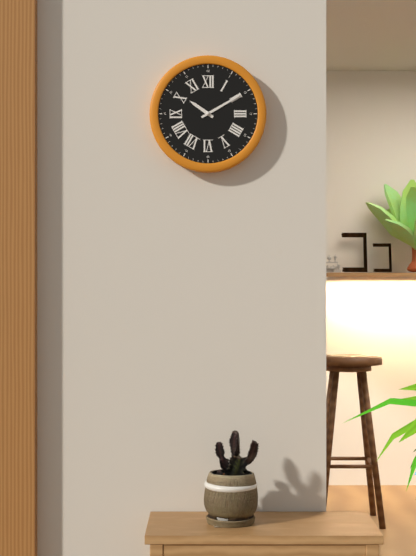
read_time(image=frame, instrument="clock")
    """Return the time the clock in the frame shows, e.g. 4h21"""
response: 10h10
